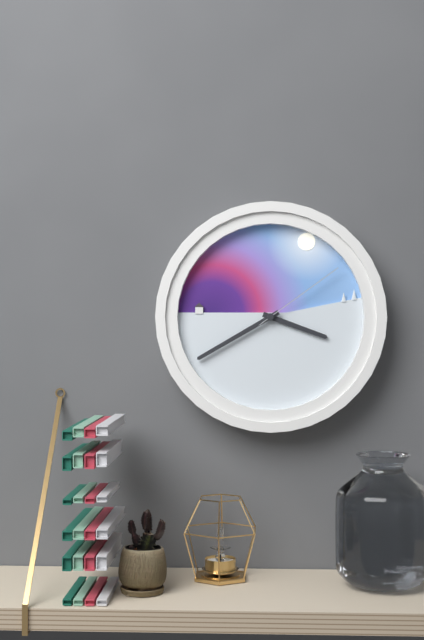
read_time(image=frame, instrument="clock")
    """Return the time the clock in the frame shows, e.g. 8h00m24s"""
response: 3h40m09s
